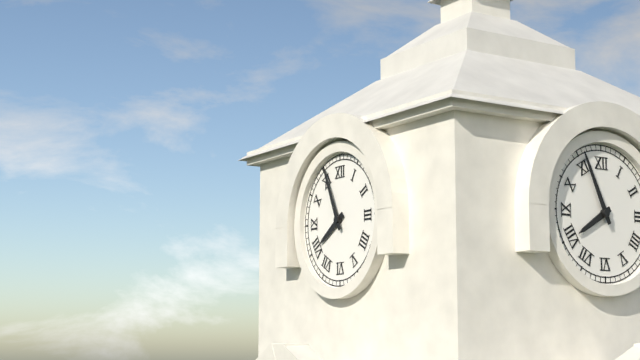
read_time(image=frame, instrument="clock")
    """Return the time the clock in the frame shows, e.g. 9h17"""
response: 7h56
